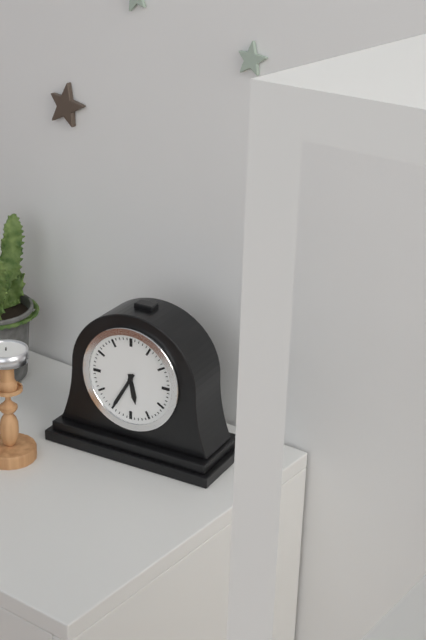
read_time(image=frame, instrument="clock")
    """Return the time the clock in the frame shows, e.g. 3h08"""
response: 5h35
